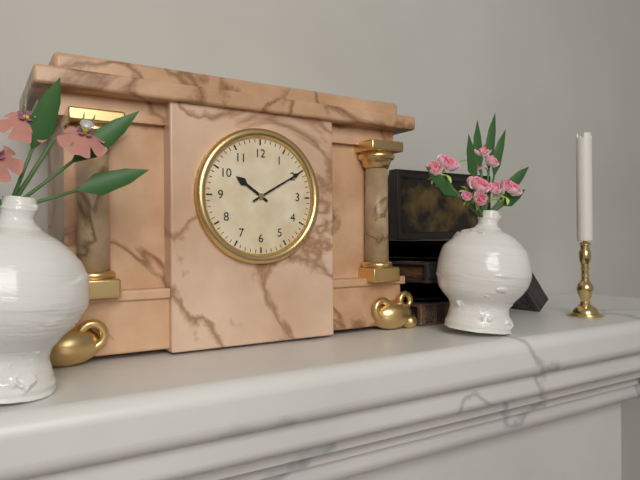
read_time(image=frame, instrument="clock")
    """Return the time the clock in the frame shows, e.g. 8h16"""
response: 10h10
